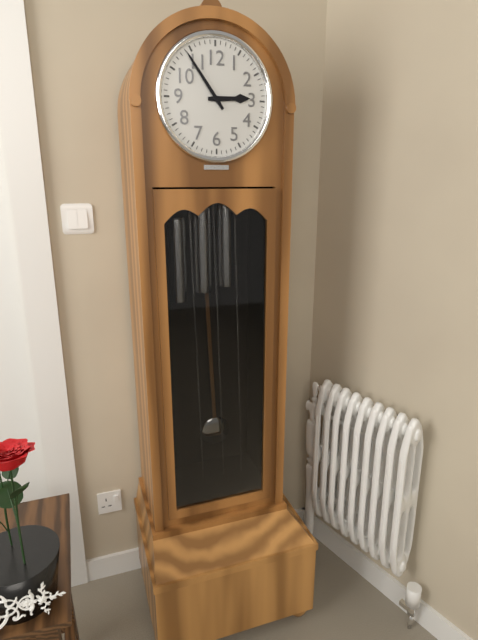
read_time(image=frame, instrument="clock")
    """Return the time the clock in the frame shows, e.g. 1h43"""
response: 2h54
